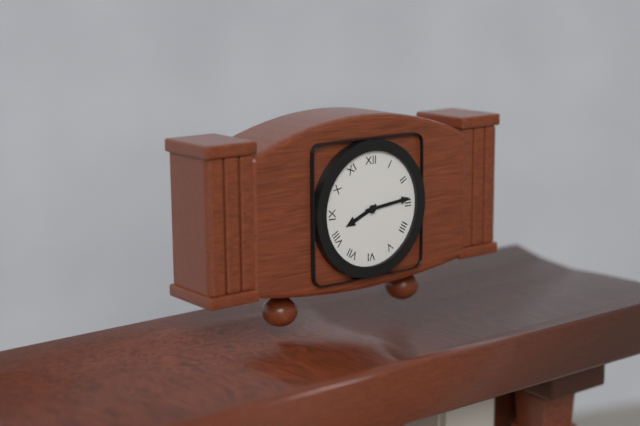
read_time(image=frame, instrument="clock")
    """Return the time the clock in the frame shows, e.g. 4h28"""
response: 8h14
